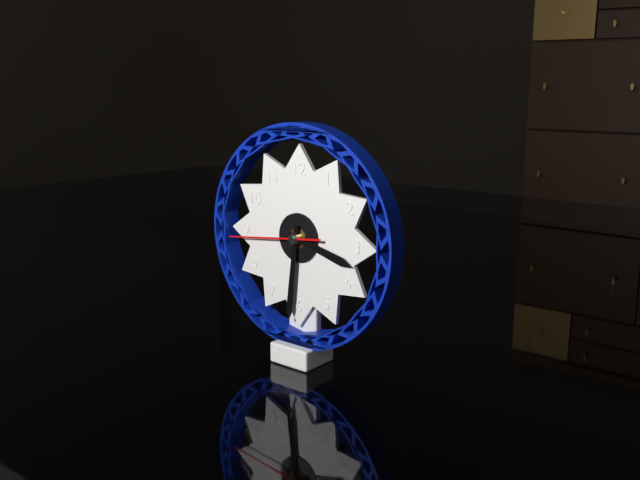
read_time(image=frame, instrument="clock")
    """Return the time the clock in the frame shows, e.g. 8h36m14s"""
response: 3h31m44s
